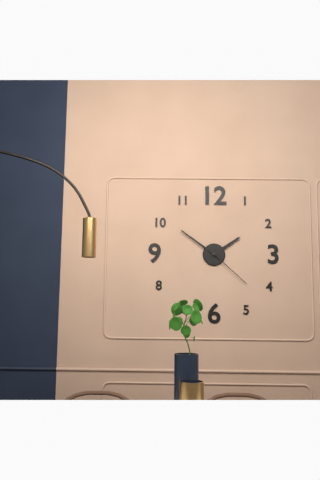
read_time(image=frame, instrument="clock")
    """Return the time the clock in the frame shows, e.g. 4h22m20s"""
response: 1h51m22s
